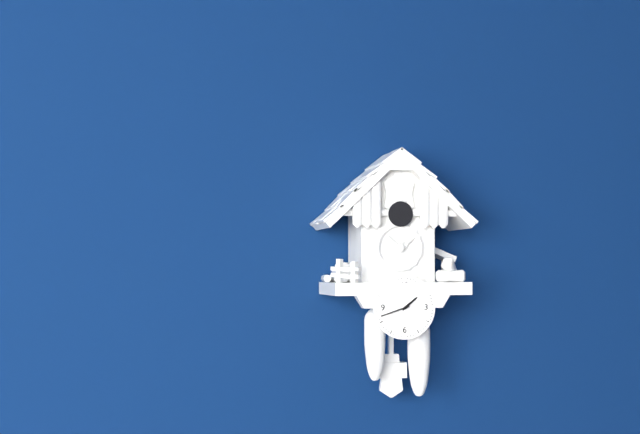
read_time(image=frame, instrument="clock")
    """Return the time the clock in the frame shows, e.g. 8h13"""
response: 1h42
